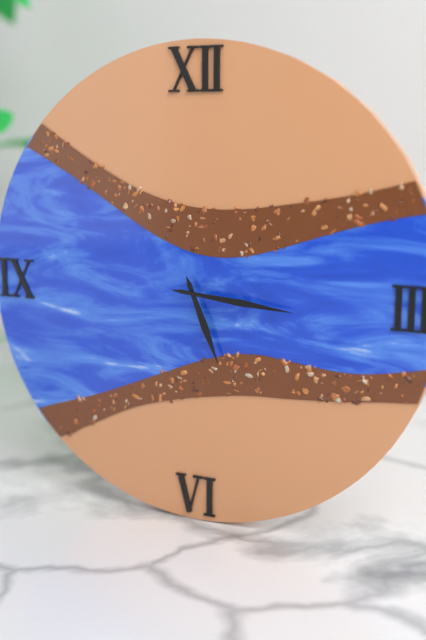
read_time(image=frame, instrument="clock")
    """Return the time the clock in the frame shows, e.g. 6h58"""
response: 5h16
